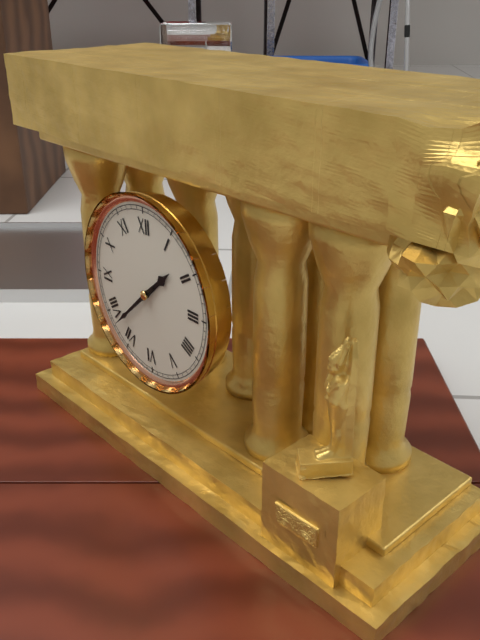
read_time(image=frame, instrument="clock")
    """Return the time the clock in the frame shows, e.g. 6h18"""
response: 1h38
